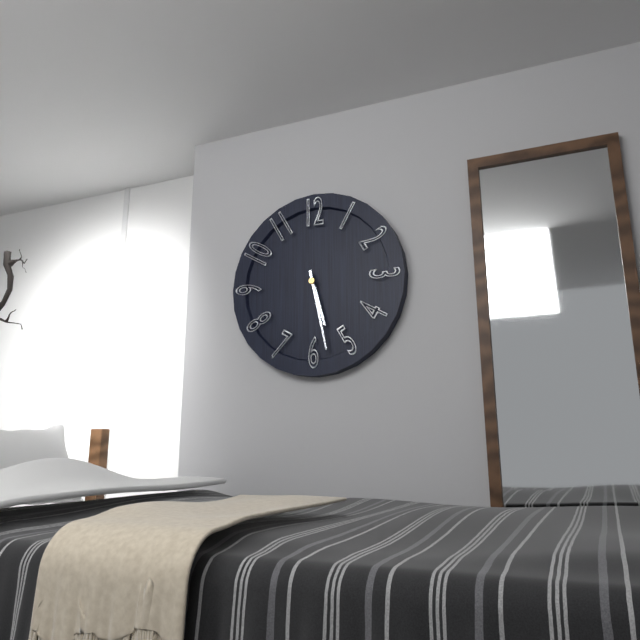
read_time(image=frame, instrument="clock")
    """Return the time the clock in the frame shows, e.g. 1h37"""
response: 5h28
